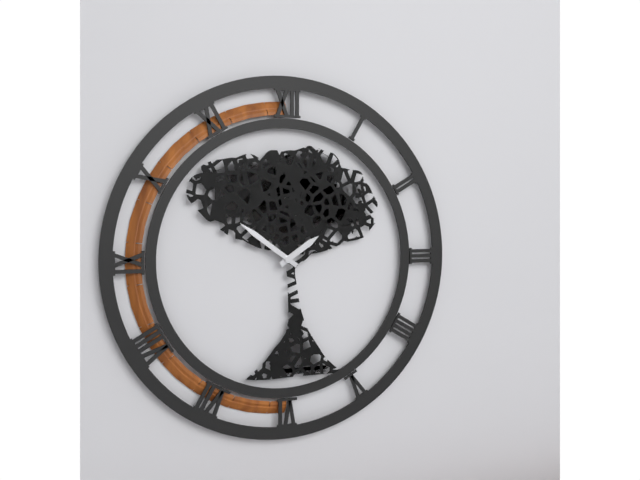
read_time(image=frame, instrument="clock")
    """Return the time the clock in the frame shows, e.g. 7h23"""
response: 1h51
